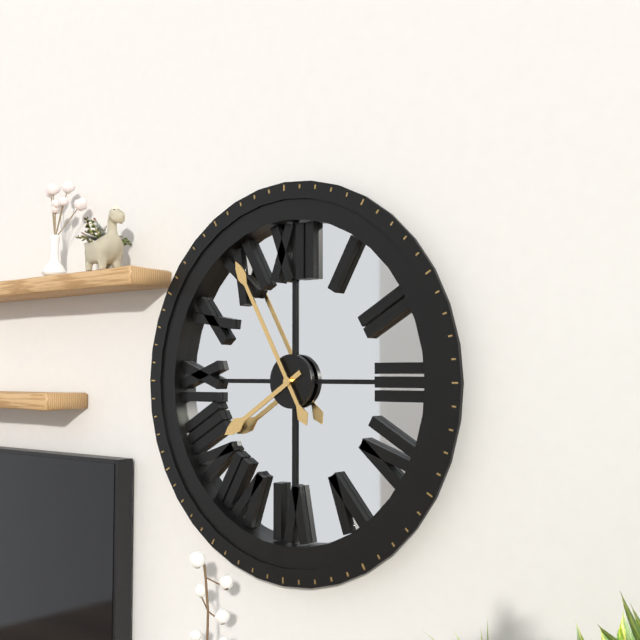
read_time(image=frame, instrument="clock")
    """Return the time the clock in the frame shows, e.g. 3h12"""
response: 7h55
